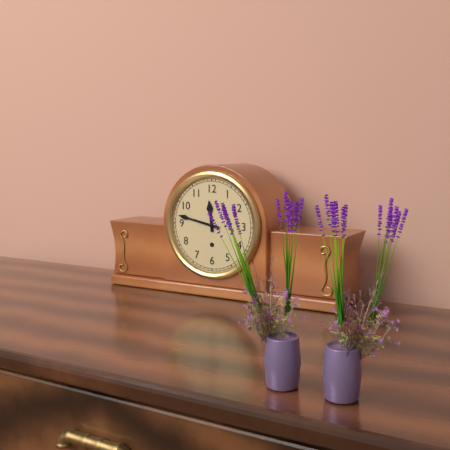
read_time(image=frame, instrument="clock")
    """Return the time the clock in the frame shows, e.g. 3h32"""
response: 11h47
